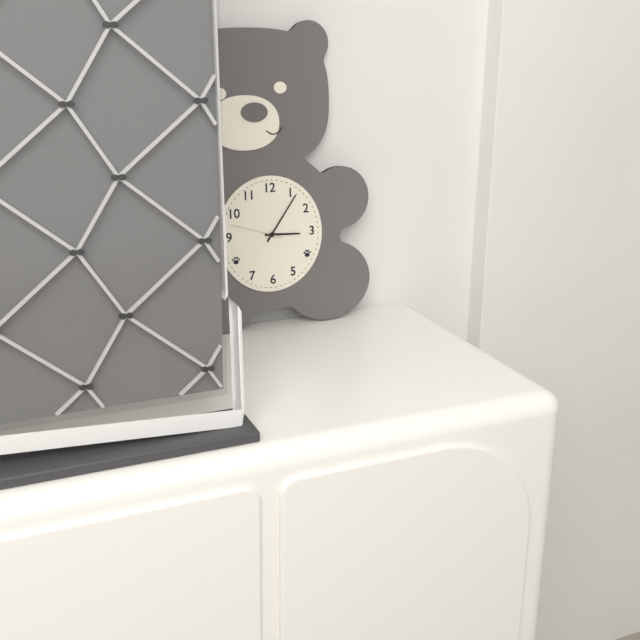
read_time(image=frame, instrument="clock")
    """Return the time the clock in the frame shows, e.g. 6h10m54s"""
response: 3h06m48s
